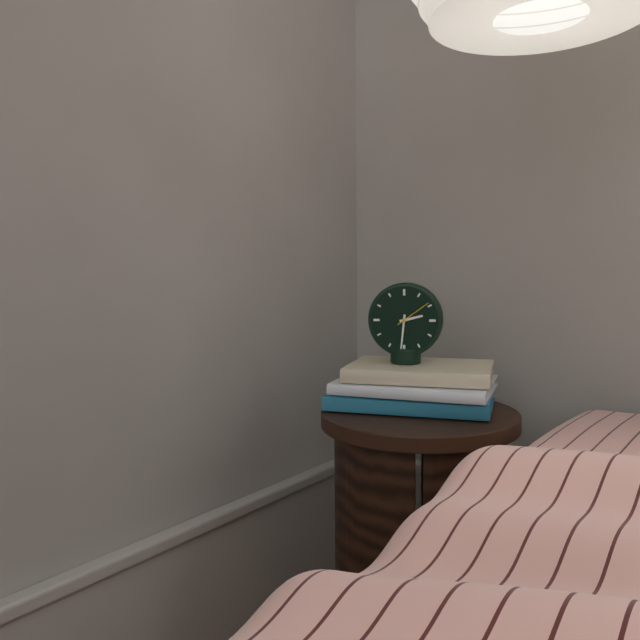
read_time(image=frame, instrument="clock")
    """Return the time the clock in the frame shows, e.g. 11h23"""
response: 2h31
